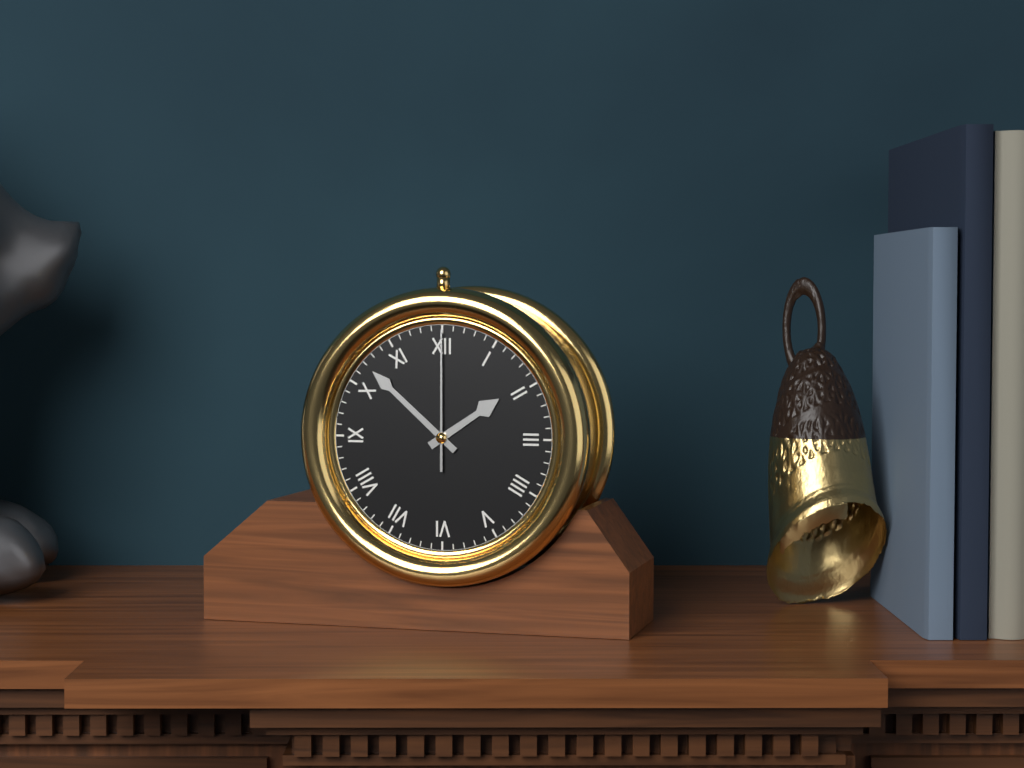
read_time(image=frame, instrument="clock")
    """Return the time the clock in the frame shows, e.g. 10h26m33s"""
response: 1h52m00s
